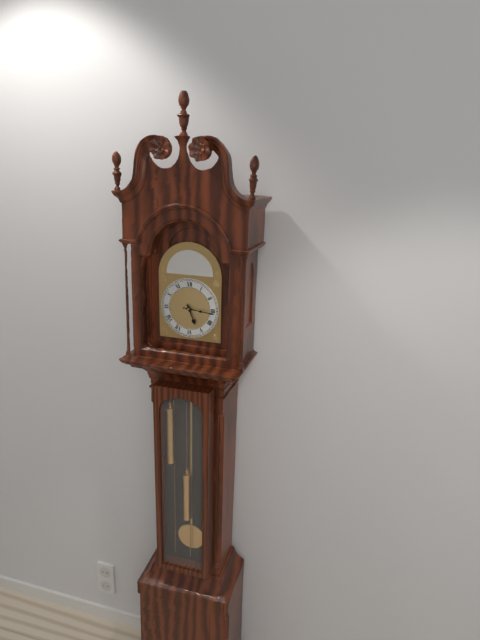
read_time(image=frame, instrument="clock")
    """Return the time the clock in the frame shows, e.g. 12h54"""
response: 5h16
